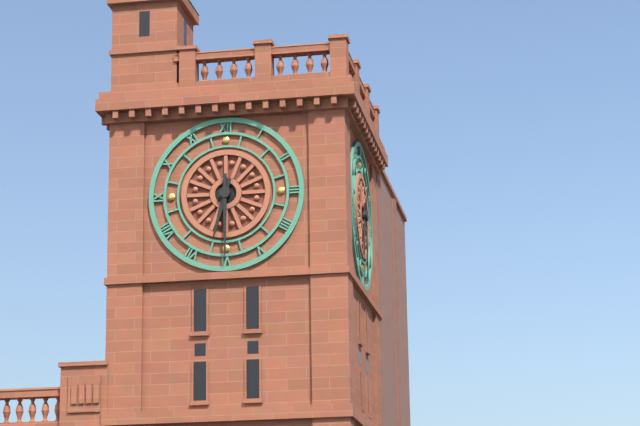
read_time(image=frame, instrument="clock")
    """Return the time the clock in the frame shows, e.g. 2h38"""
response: 6h30
